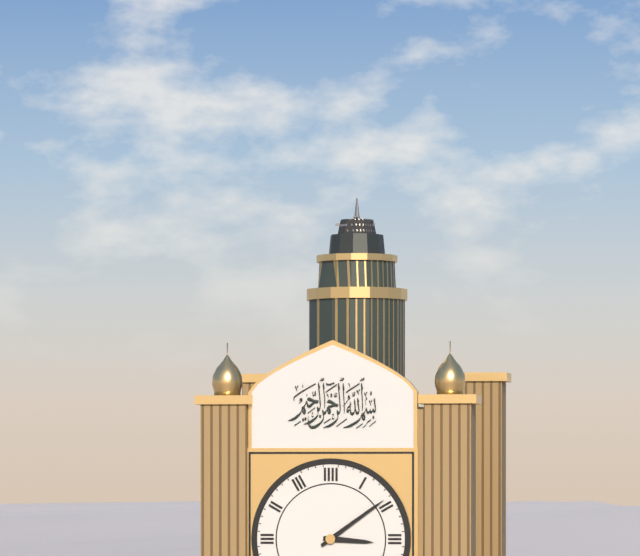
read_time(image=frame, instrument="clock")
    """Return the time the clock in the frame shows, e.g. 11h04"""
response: 3h09
